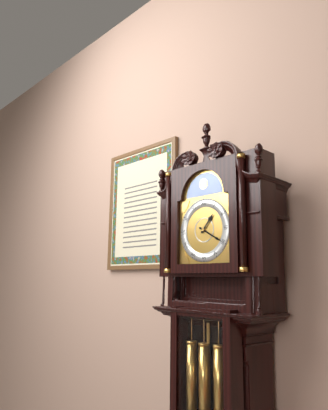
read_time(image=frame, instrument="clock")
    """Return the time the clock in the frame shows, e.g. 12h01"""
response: 1h20
